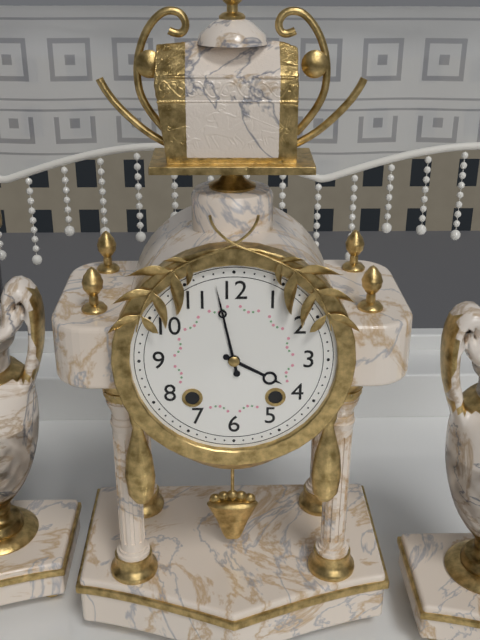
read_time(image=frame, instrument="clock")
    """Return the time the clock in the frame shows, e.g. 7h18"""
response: 3h58
